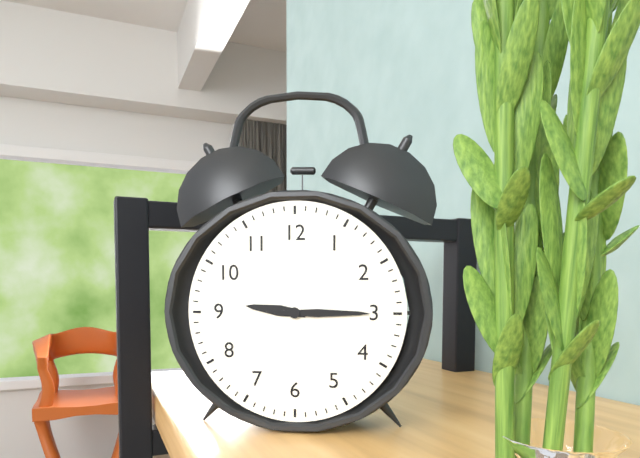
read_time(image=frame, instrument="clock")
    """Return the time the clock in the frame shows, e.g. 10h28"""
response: 9h15
